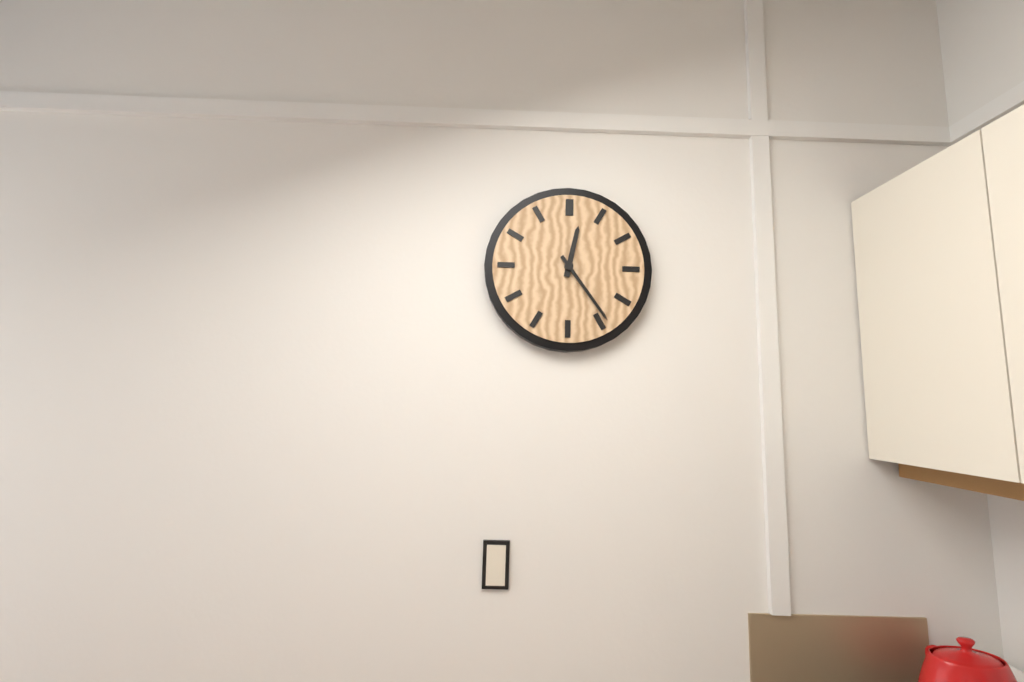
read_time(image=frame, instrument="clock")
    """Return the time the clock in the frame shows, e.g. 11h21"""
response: 12h24
